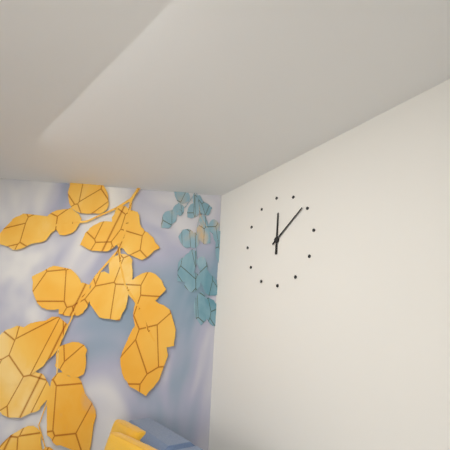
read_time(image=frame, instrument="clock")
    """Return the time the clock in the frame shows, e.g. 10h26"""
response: 12h09
